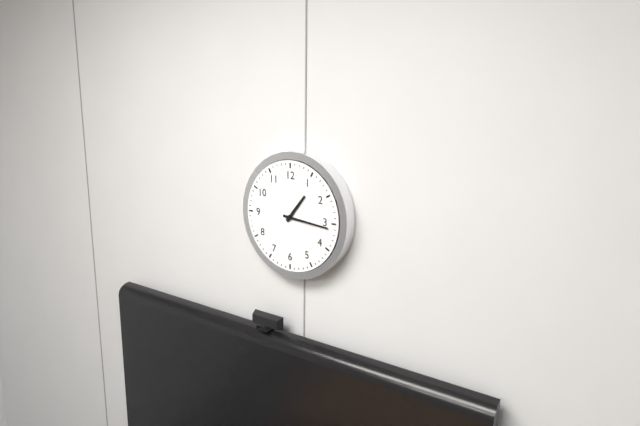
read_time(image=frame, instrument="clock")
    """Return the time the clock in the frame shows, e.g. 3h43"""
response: 1h16
